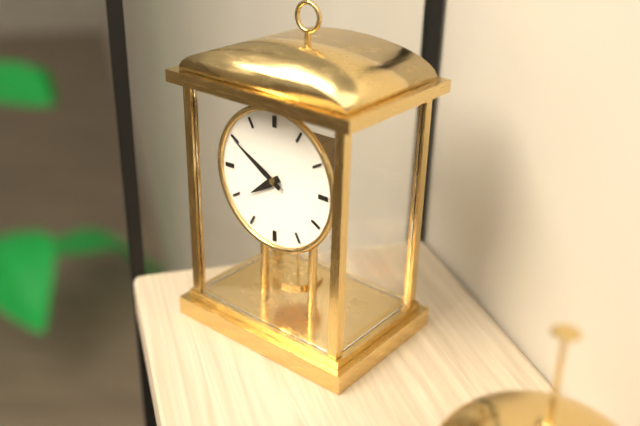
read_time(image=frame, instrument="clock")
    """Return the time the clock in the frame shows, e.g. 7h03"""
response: 7h50
